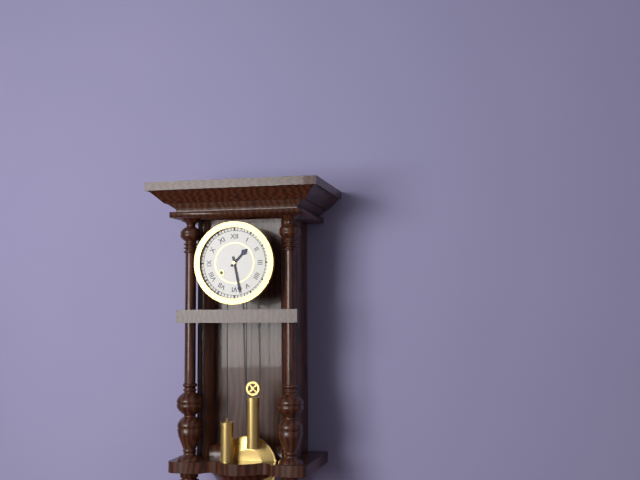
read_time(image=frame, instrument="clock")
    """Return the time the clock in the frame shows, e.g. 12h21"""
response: 1h28
